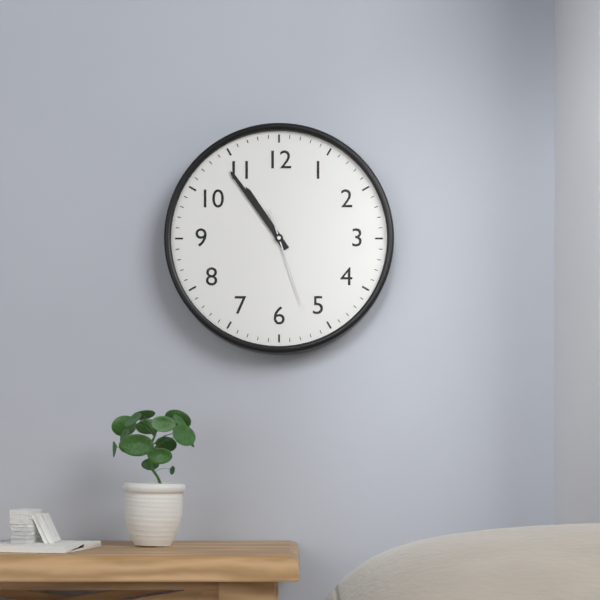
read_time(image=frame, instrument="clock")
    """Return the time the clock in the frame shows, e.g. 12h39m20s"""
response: 10h54m27s
